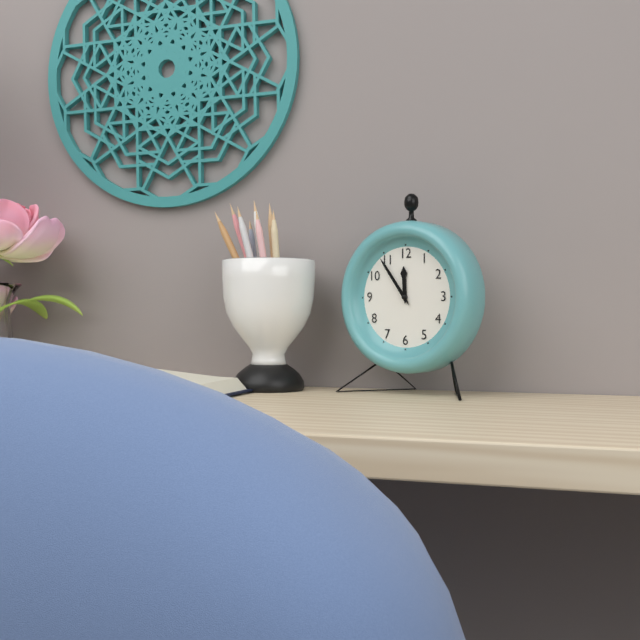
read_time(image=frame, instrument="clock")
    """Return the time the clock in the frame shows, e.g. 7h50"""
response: 11h54
